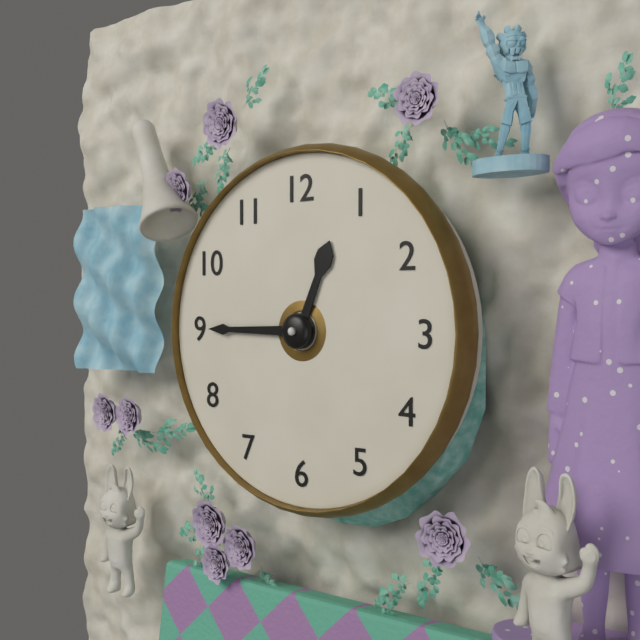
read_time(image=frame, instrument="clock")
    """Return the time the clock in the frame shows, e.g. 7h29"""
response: 12h45
